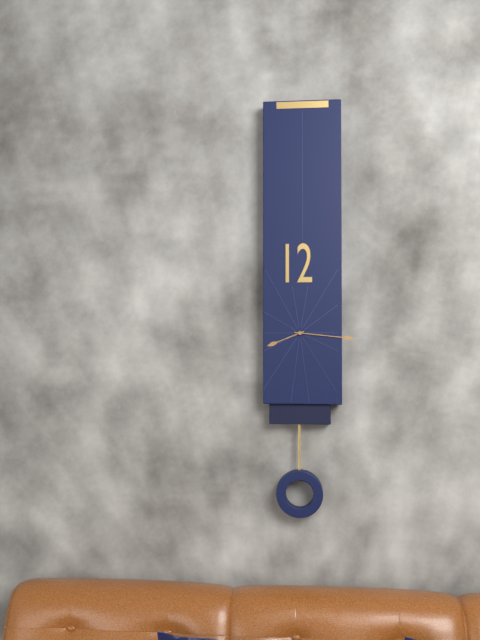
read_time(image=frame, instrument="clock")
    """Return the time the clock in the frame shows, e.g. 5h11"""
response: 8h16
